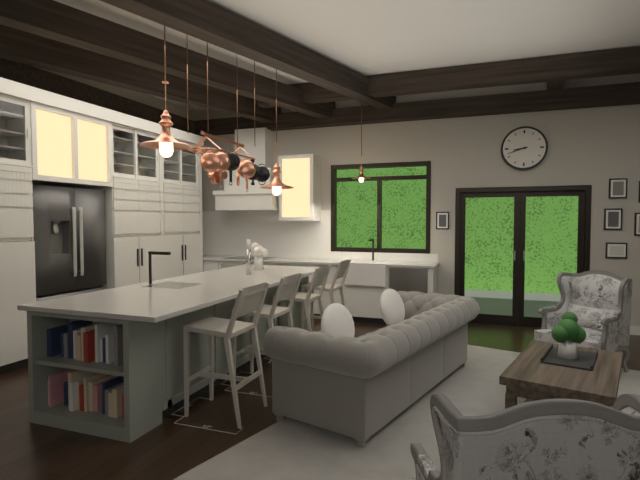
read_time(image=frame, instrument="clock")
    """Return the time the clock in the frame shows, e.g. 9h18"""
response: 8h42
